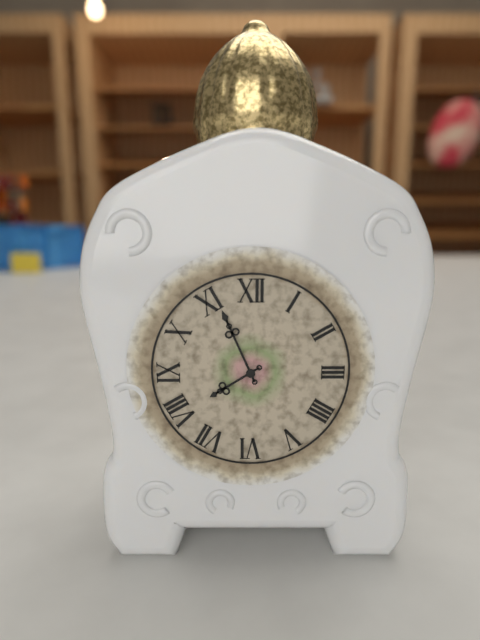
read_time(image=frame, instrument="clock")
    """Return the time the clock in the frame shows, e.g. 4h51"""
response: 7h56
